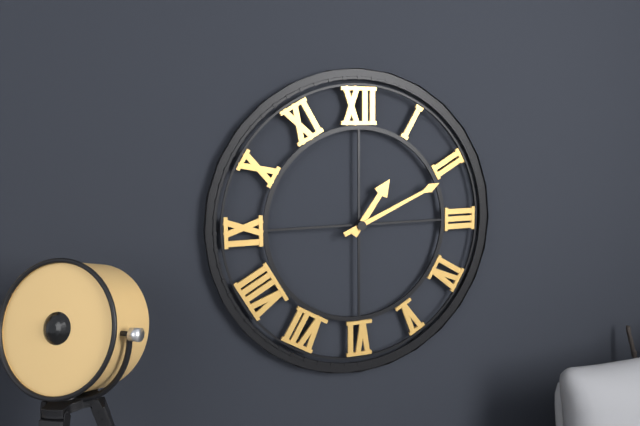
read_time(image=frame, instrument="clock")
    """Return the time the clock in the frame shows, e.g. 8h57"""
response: 1h11
